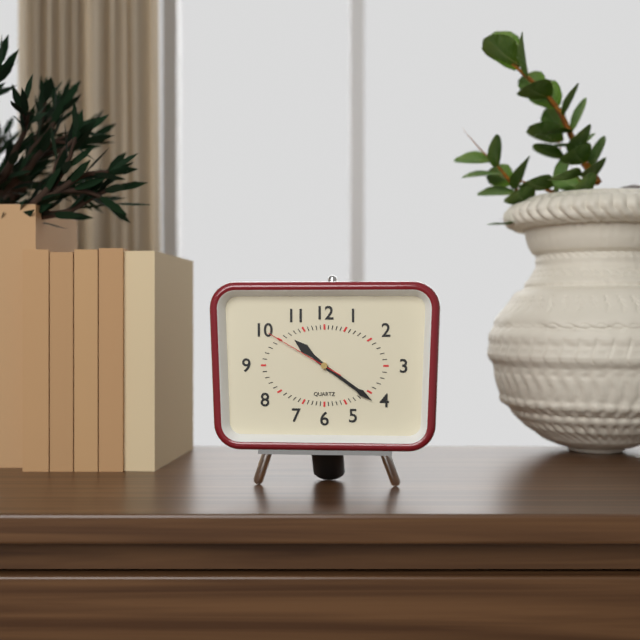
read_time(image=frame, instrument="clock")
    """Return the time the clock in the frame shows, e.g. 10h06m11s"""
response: 10h21m50s
